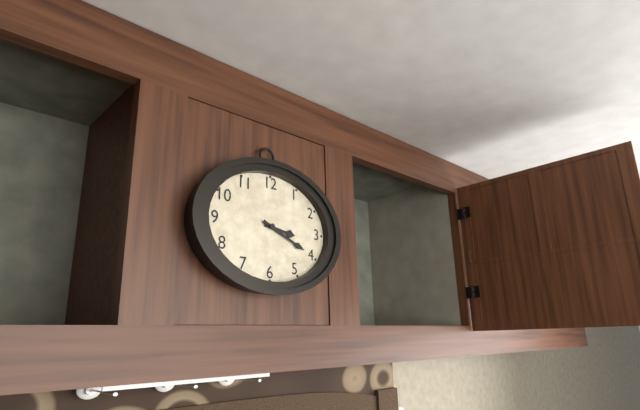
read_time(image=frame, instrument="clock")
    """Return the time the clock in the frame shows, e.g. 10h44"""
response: 3h19
